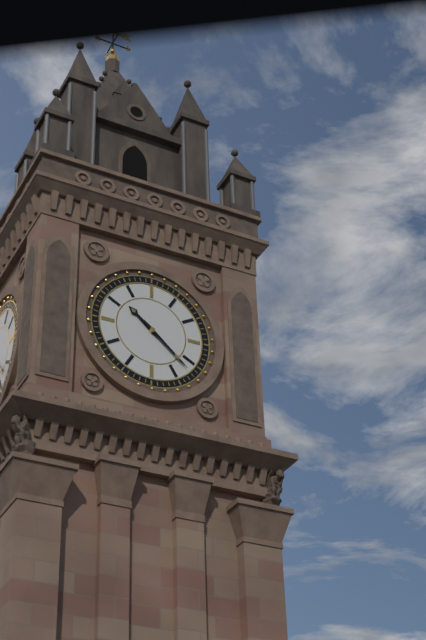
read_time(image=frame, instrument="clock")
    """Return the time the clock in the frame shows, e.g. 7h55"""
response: 10h22
